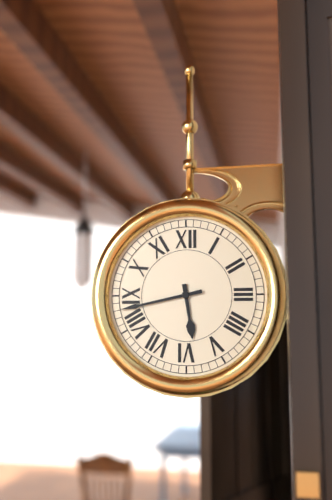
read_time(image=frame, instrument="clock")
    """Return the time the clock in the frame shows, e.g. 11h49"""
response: 5h43
